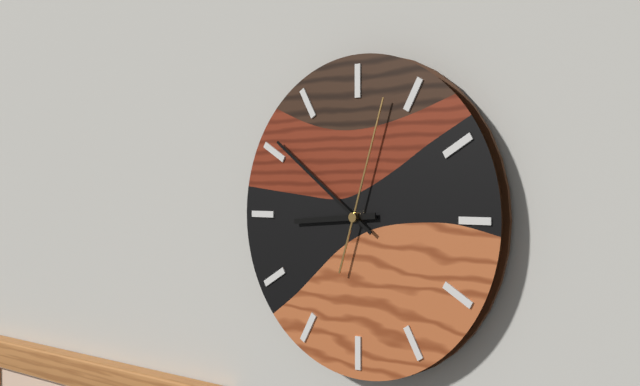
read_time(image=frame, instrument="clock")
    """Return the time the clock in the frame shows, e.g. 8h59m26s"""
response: 8h51m03s
